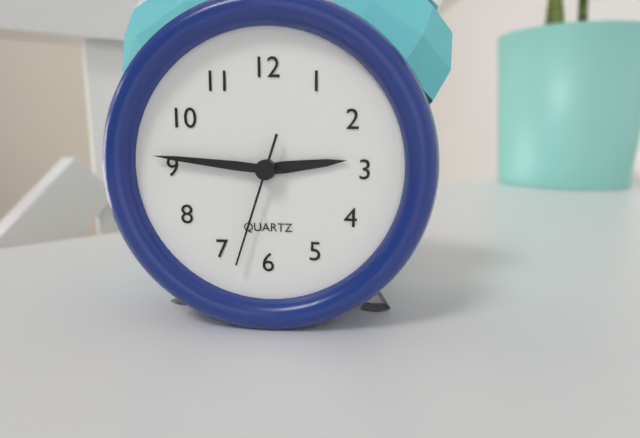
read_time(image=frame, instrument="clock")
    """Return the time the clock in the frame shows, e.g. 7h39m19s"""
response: 2h46m33s
